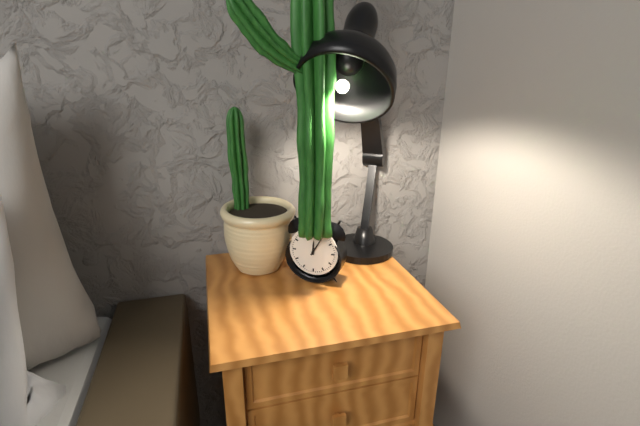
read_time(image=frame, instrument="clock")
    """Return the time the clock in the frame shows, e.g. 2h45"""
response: 12h05
